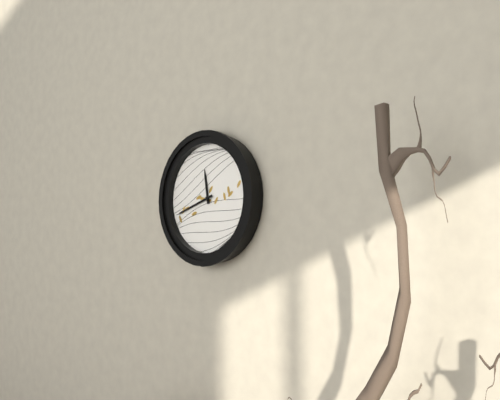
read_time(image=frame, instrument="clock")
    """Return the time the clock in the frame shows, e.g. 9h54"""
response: 11h42
